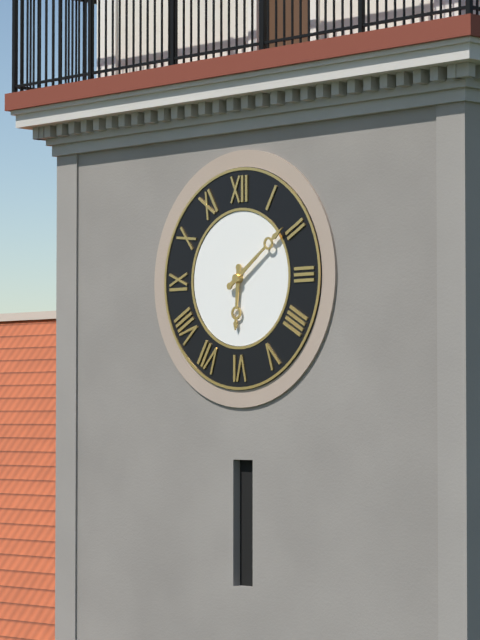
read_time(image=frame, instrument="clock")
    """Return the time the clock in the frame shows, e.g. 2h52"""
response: 6h09
